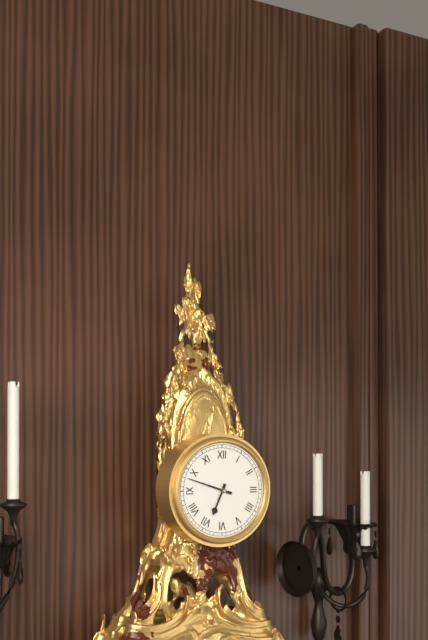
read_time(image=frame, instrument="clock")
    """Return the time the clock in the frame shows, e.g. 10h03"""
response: 6h48
